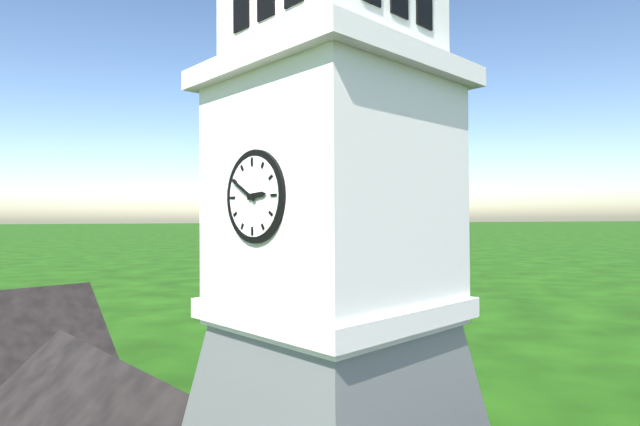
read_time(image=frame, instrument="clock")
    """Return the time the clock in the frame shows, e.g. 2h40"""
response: 2h50
